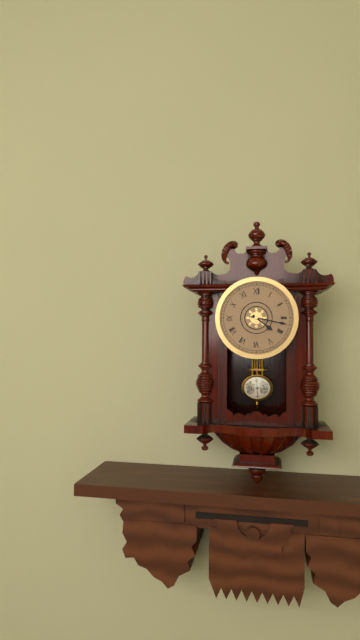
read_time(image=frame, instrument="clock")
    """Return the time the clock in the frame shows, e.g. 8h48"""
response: 4h17
